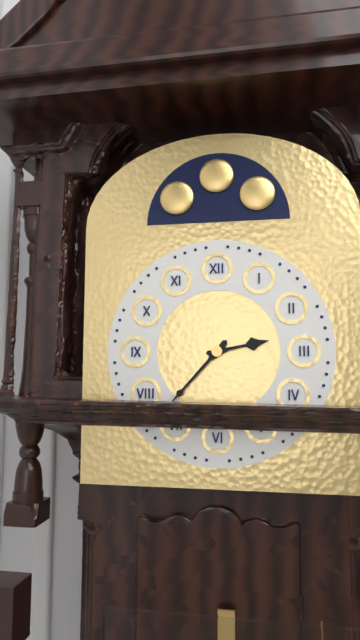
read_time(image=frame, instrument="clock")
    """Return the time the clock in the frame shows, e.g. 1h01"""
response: 2h37
